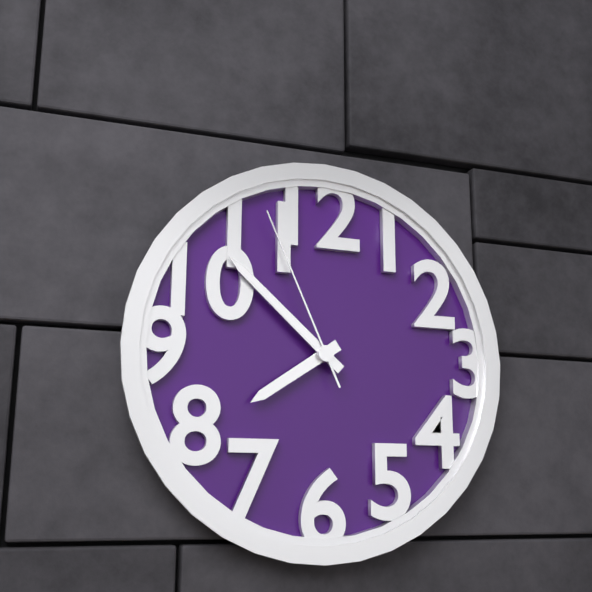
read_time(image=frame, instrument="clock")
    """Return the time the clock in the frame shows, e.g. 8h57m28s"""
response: 7h52m56s
